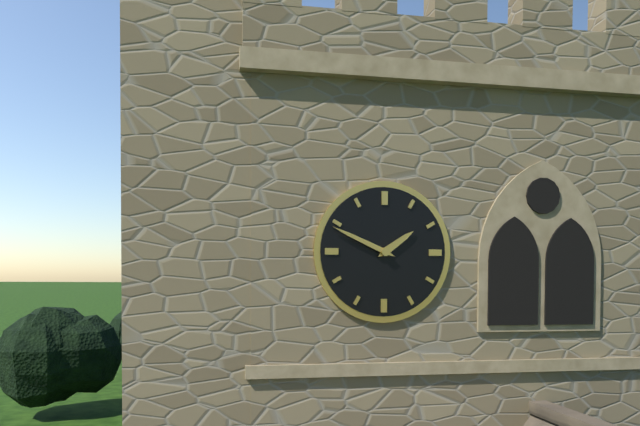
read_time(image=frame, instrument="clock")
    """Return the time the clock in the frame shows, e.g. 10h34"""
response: 1h49
